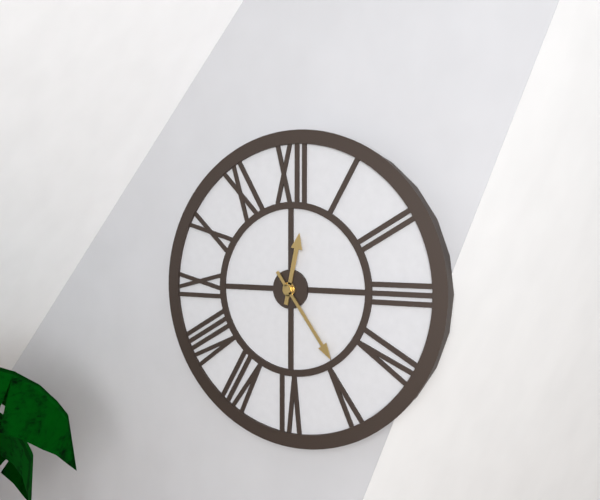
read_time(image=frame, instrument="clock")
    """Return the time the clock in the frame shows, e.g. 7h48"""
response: 12h24
